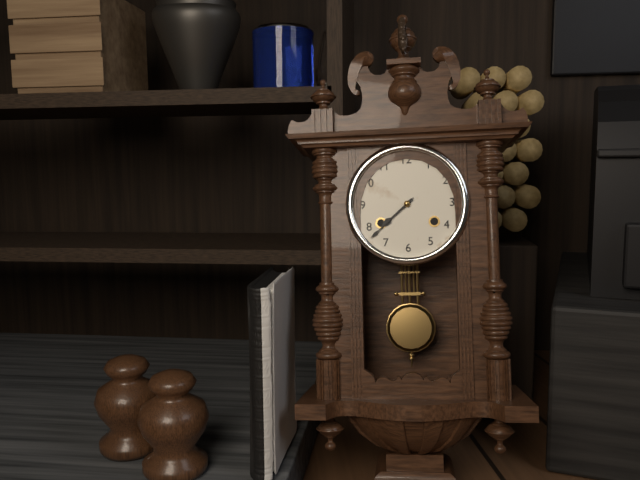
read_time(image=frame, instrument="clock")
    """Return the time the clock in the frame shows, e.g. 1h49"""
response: 7h38
